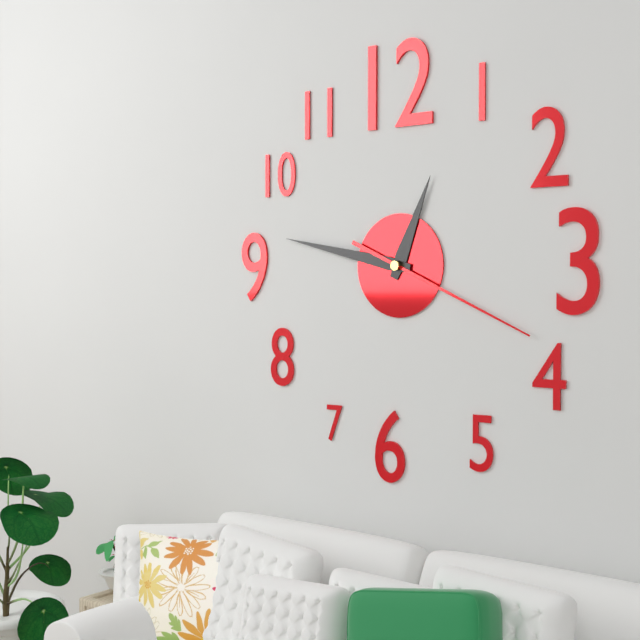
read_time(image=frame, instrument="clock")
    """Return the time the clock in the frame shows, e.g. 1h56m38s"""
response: 12h47m19s
